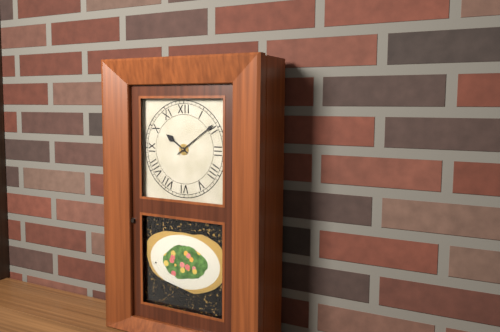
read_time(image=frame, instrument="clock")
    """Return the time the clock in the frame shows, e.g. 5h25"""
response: 10h09
